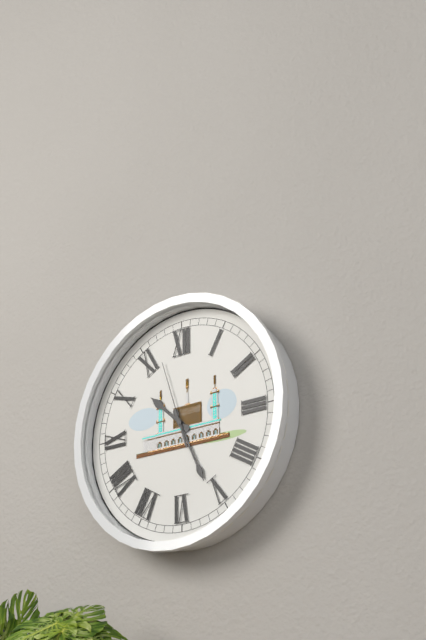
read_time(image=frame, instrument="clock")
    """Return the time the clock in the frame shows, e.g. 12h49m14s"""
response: 10h26m57s
